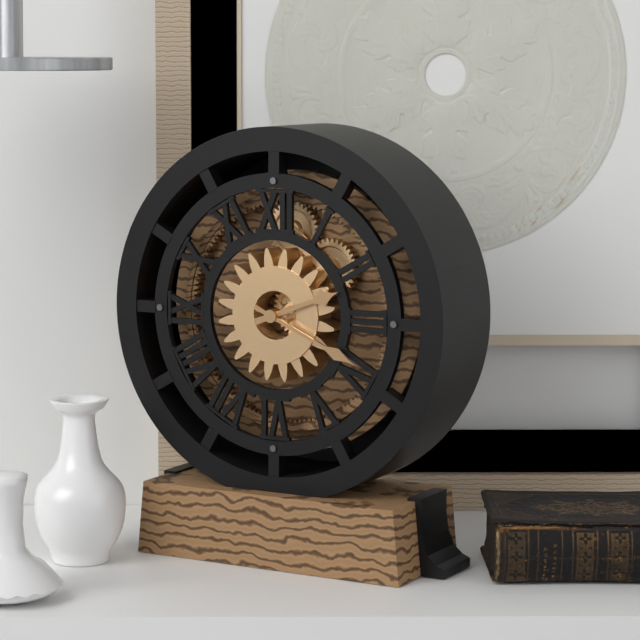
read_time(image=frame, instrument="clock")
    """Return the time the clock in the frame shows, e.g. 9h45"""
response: 2h19
